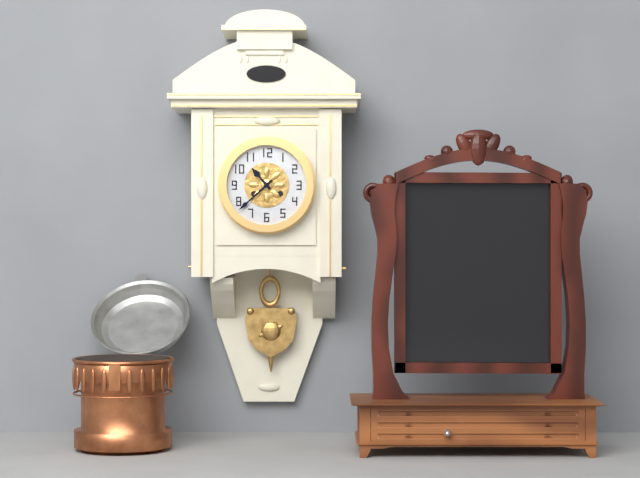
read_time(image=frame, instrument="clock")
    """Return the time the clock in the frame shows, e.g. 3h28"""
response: 10h38
